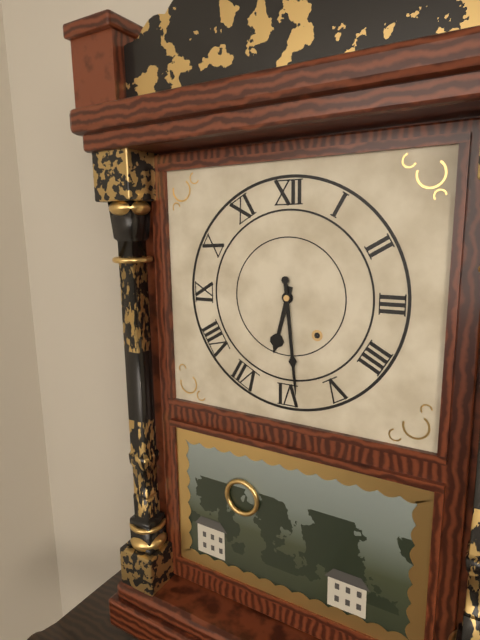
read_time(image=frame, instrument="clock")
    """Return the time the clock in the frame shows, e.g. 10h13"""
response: 6h29
